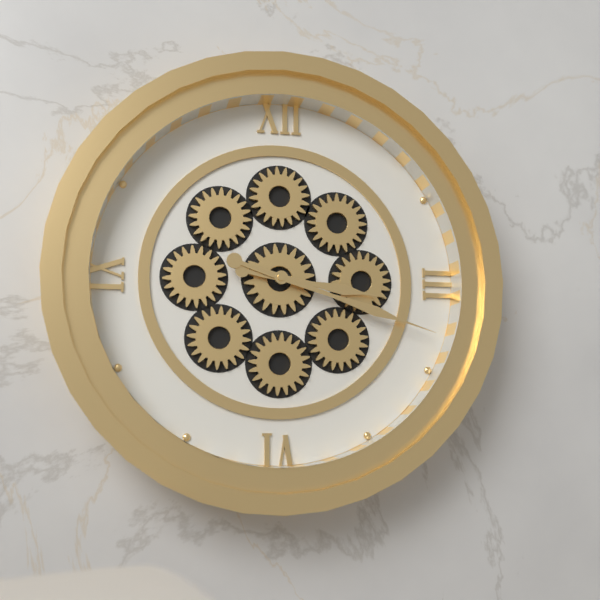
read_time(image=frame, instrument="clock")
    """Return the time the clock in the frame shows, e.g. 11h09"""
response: 3h18
